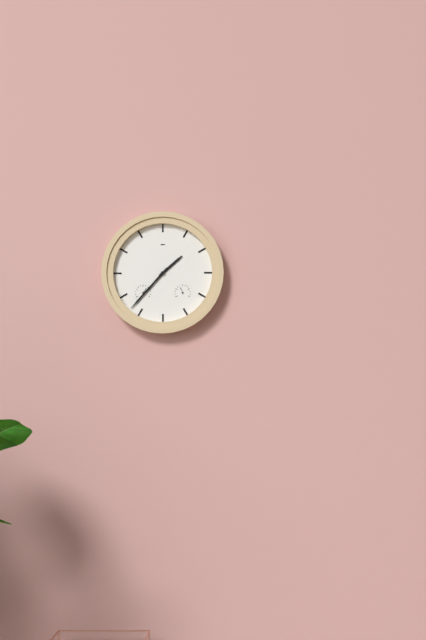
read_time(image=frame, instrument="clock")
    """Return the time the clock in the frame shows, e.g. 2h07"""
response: 1h37
